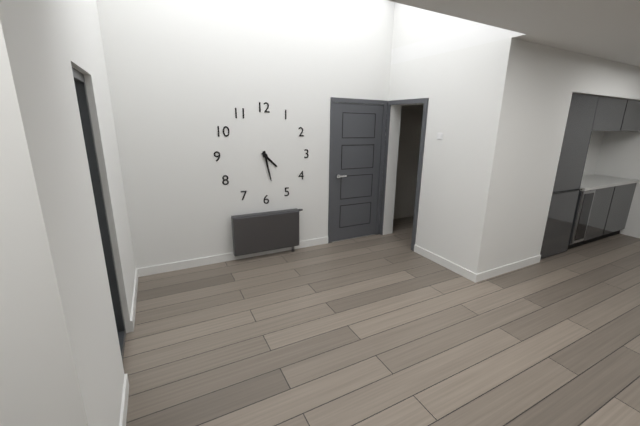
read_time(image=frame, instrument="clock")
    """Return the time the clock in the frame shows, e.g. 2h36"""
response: 4h28
